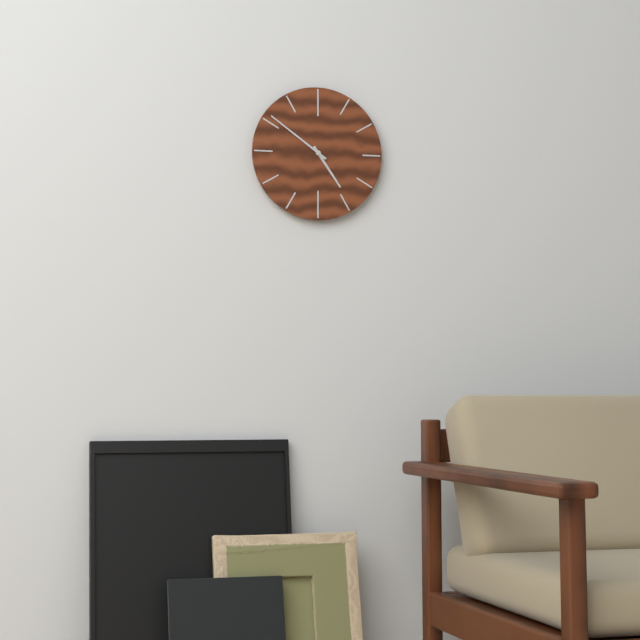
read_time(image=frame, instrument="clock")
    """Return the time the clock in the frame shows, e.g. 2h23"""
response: 4h51
